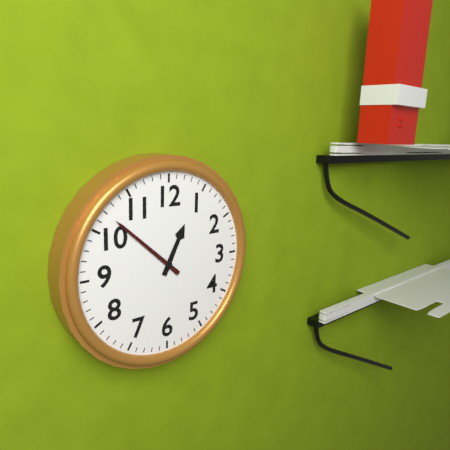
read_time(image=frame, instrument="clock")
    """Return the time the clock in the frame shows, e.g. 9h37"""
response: 12h52
